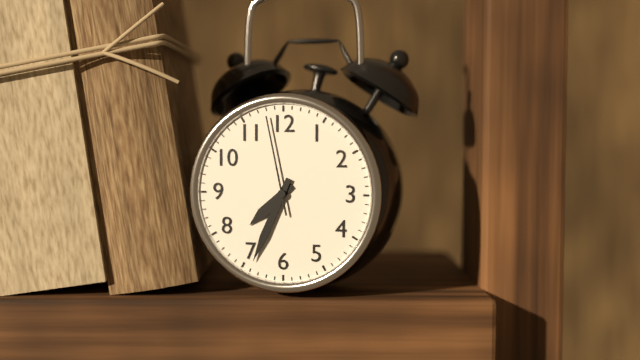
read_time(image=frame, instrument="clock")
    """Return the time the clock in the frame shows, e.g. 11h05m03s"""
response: 7h34m58s
